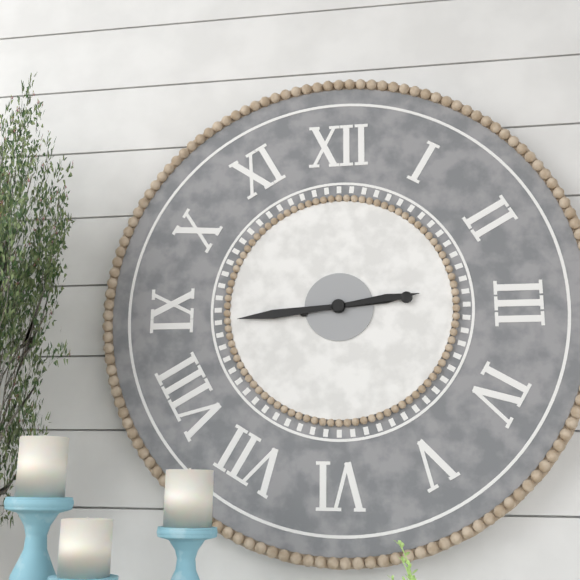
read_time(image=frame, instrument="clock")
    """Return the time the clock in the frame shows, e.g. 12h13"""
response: 2h44
